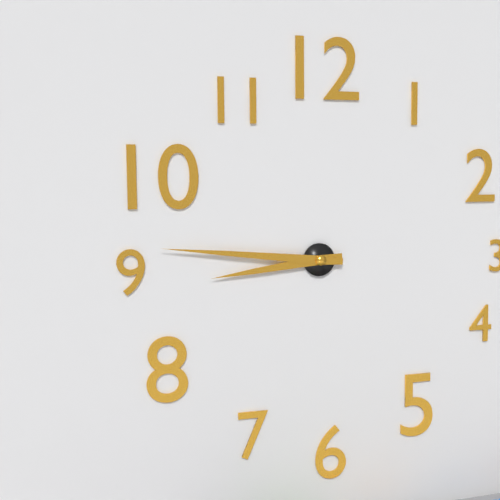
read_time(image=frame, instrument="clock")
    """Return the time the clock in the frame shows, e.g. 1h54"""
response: 8h46
